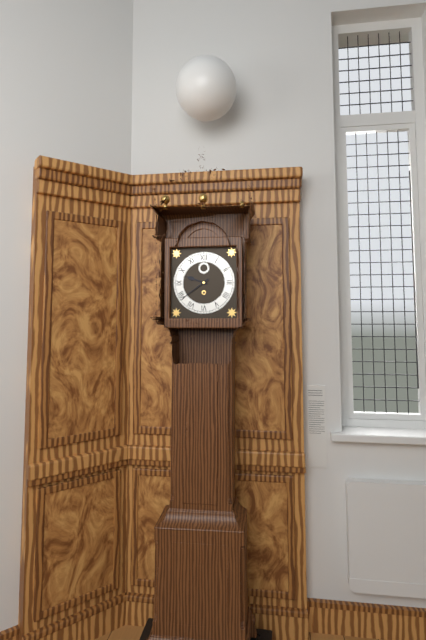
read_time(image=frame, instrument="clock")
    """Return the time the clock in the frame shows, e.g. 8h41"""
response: 9h39
